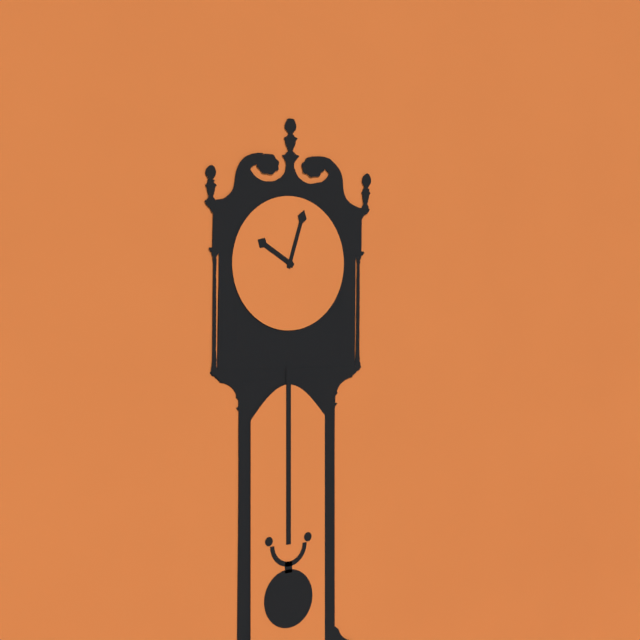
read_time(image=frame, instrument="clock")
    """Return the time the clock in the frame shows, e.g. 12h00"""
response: 10h03
